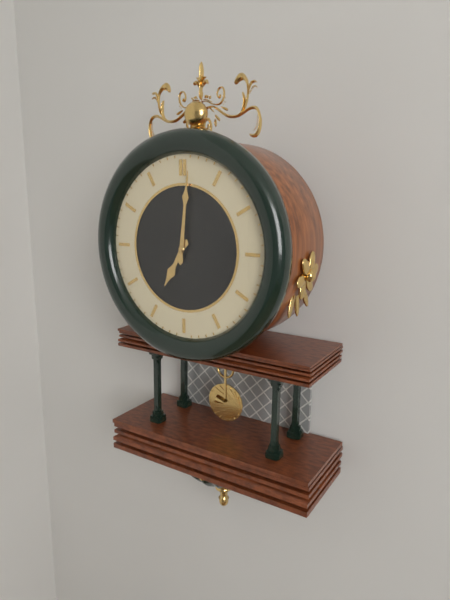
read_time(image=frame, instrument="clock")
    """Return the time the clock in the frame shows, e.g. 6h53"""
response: 7h01
